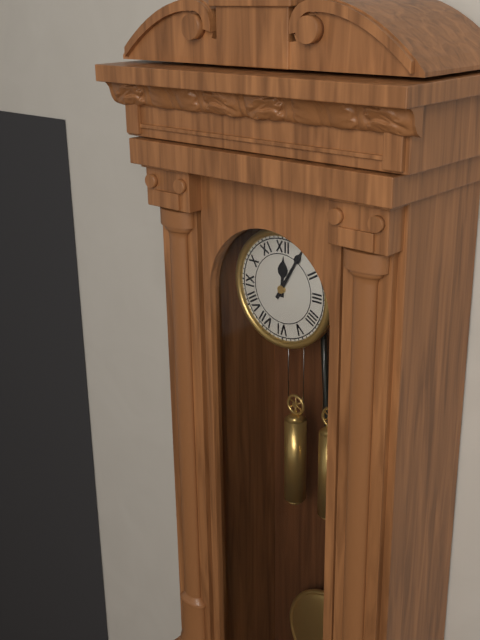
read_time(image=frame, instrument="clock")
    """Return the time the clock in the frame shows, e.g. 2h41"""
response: 12h05
